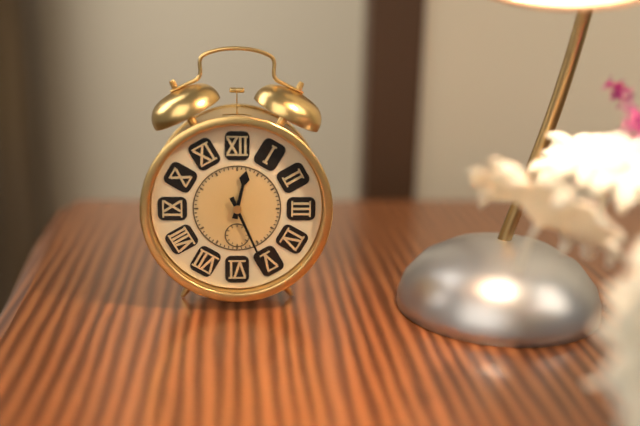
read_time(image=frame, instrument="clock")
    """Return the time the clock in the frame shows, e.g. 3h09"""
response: 12h26
